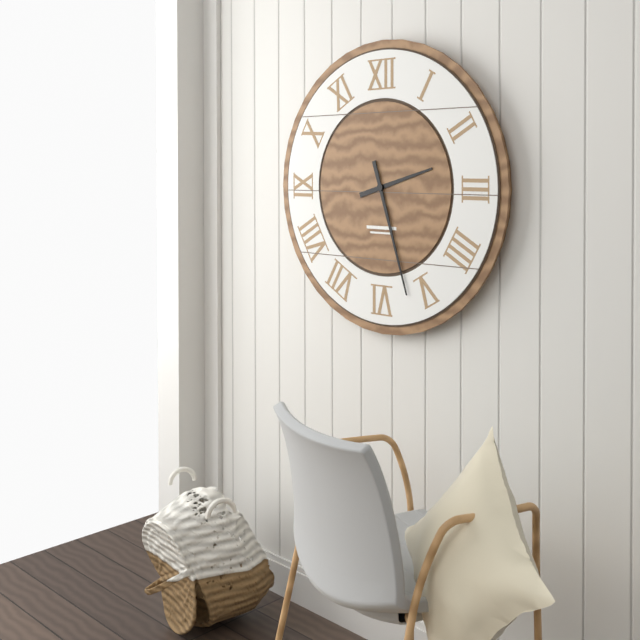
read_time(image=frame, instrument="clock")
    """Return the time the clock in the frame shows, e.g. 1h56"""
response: 2h27
